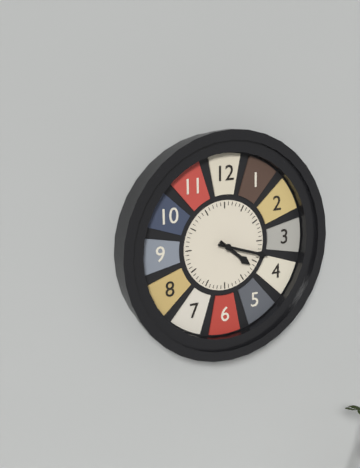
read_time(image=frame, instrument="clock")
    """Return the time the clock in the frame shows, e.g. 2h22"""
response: 4h18
